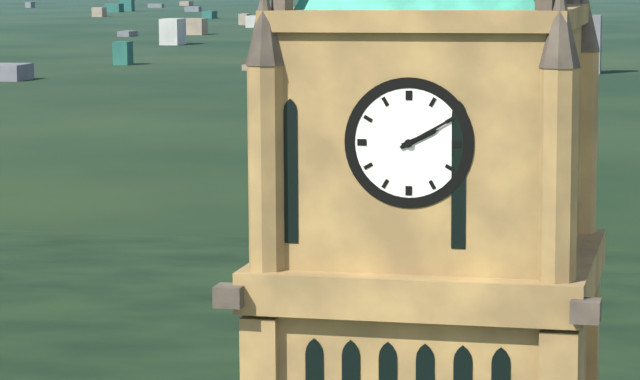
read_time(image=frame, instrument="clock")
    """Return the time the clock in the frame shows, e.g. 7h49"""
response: 2h10
